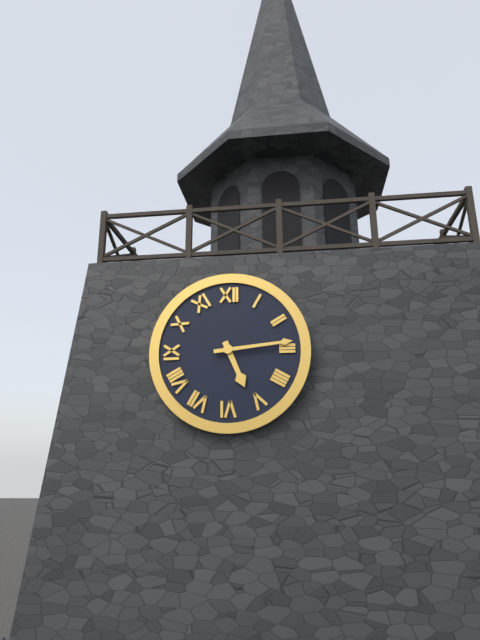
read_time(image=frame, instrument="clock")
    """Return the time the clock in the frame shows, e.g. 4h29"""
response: 5h14
